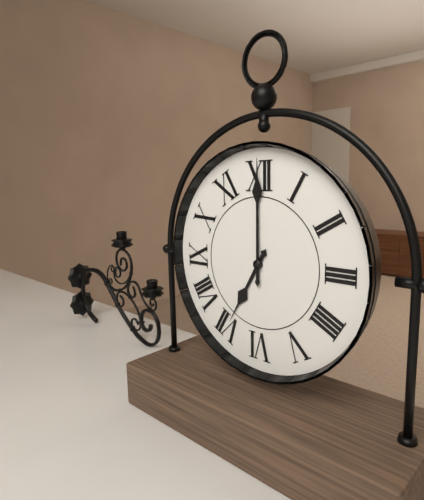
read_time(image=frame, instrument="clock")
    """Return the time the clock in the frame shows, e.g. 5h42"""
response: 7h00
